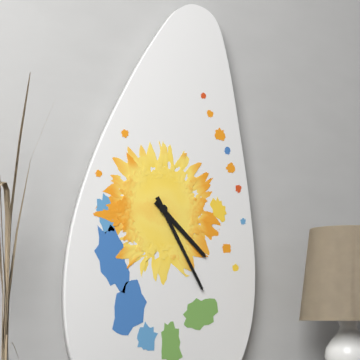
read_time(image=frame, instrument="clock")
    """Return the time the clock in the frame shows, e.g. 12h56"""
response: 4h25
